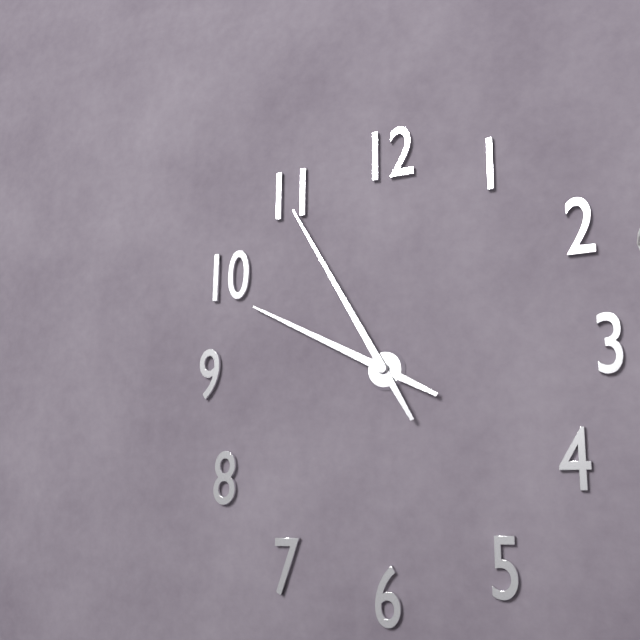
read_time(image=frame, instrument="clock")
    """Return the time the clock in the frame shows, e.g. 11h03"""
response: 9h55
